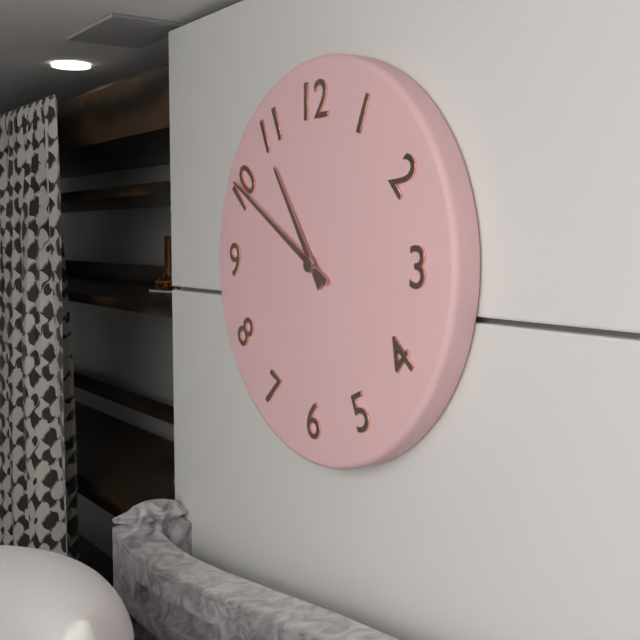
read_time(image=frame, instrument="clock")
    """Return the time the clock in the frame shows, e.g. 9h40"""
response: 10h50
